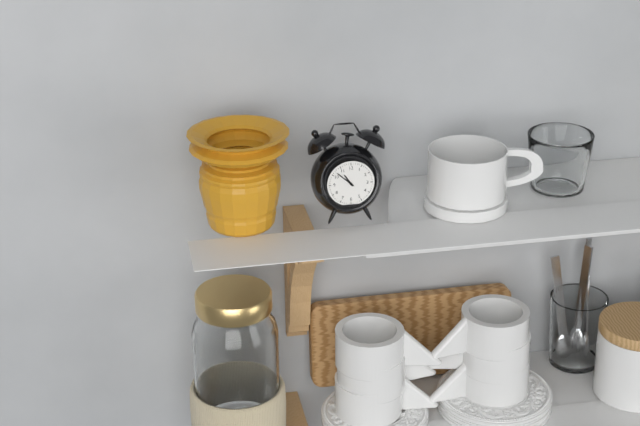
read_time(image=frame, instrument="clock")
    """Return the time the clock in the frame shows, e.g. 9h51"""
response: 10h52
